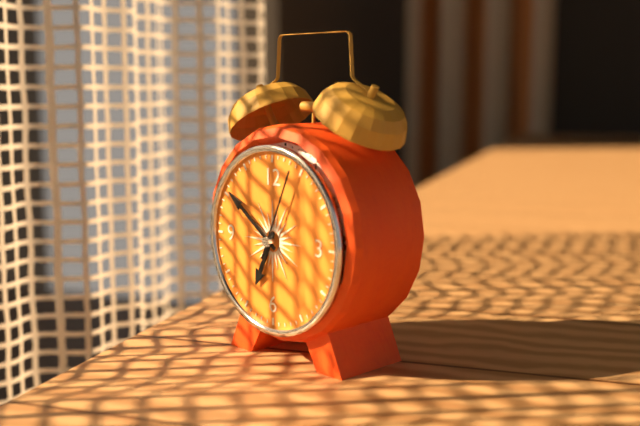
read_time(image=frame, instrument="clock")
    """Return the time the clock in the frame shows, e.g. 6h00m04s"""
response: 6h51m04s
